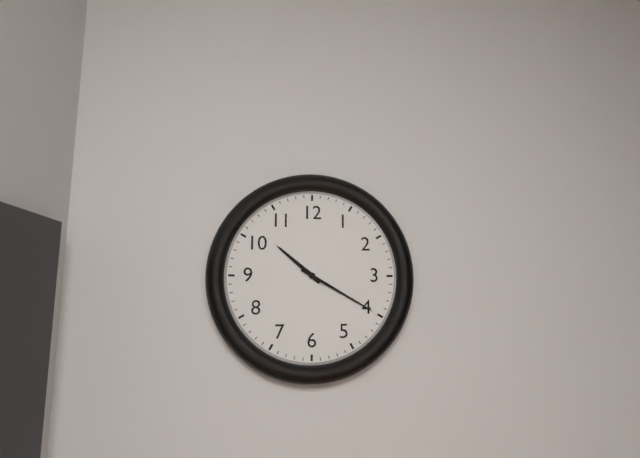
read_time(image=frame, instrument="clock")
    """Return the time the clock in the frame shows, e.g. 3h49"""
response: 10h20
